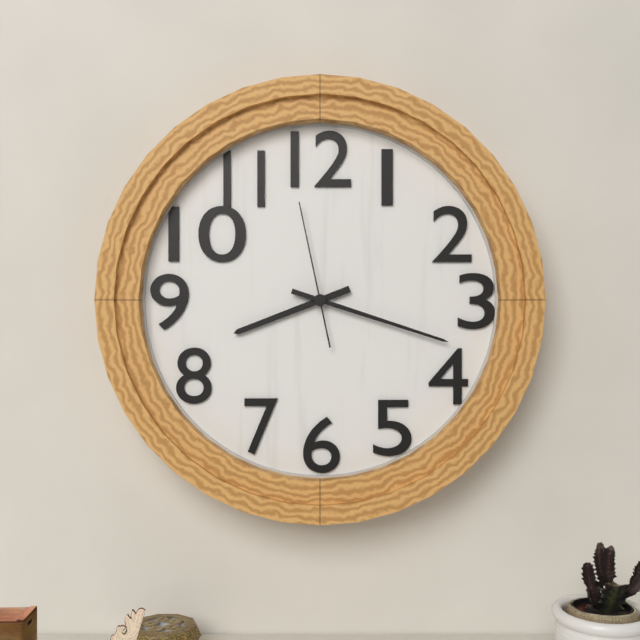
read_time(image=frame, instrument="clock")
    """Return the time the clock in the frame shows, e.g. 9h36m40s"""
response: 8h18m58s
